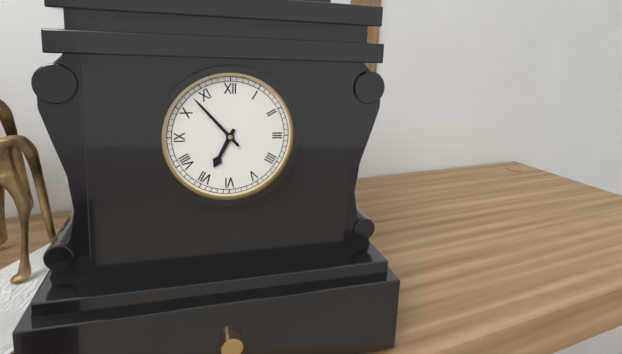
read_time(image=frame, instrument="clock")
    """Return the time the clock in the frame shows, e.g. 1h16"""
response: 6h53
